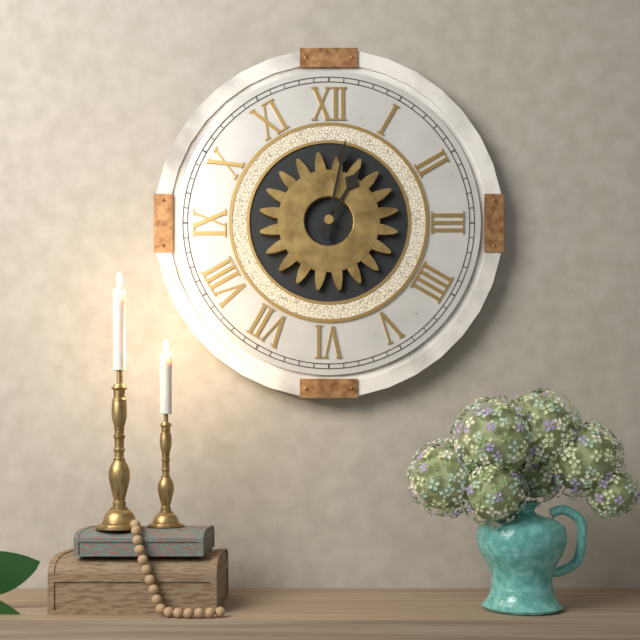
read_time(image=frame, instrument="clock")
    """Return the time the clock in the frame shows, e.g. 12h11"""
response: 1h02
